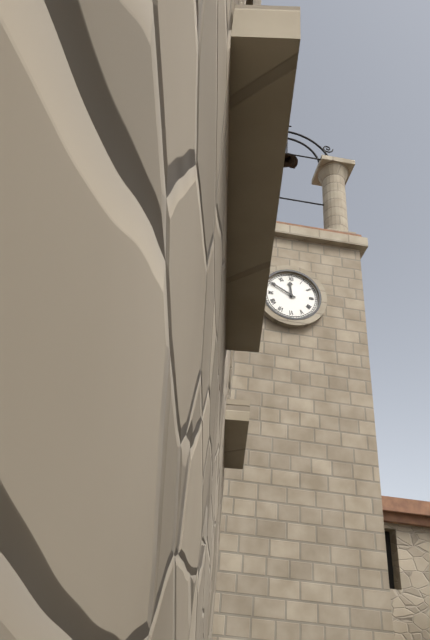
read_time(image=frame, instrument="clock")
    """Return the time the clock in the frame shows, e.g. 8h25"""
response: 11h50
